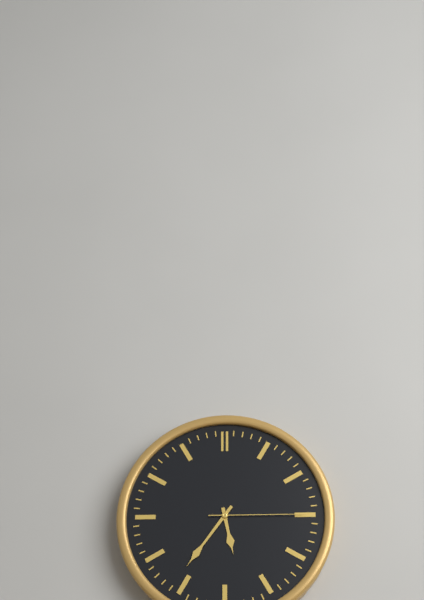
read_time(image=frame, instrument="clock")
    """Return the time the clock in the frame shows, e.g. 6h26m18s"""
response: 5h36m15s
